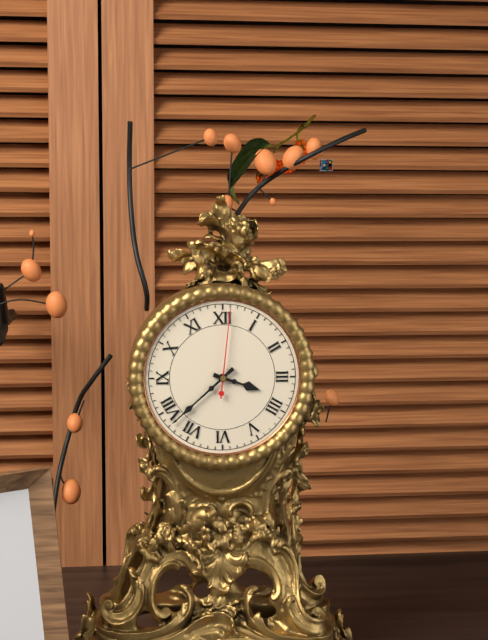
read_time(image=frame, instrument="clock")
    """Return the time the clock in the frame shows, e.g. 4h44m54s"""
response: 3h38m01s
